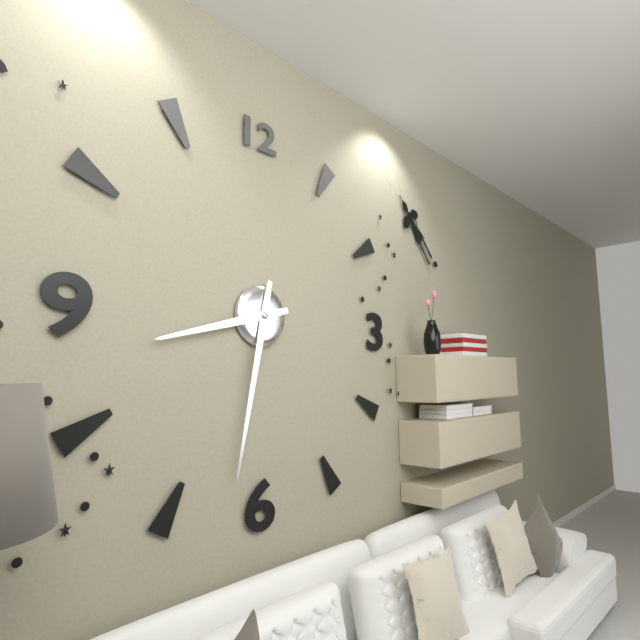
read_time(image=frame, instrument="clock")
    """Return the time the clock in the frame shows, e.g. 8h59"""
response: 8h32
